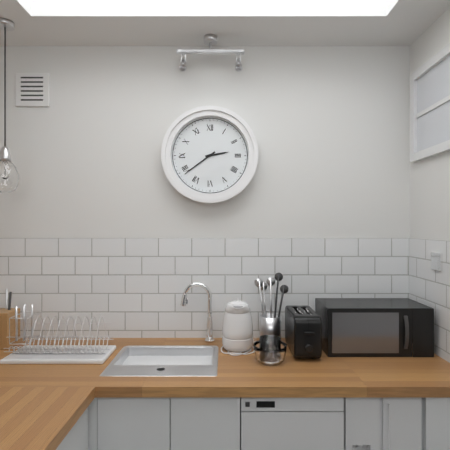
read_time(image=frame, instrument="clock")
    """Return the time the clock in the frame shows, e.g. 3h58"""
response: 2h39
